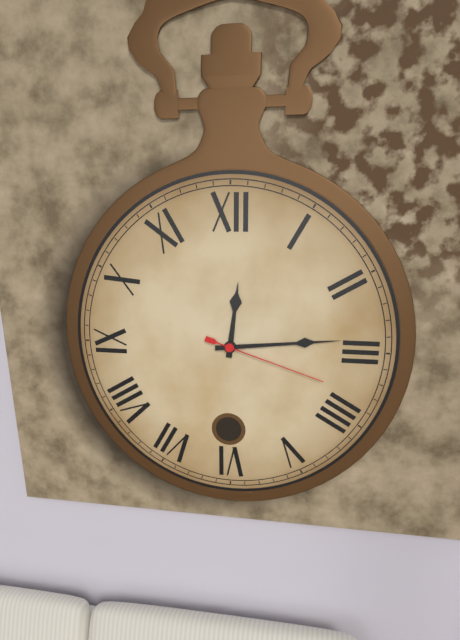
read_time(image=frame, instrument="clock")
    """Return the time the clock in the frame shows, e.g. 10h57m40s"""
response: 12h14m18s
